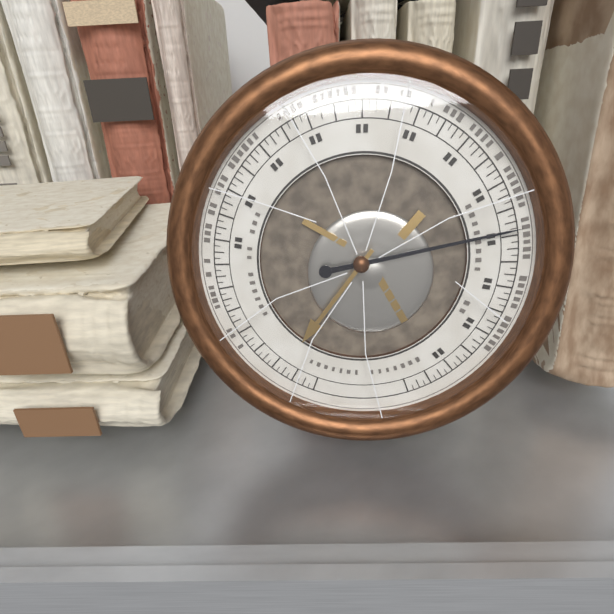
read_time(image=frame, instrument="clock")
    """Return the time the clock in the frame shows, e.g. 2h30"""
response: 7h13
